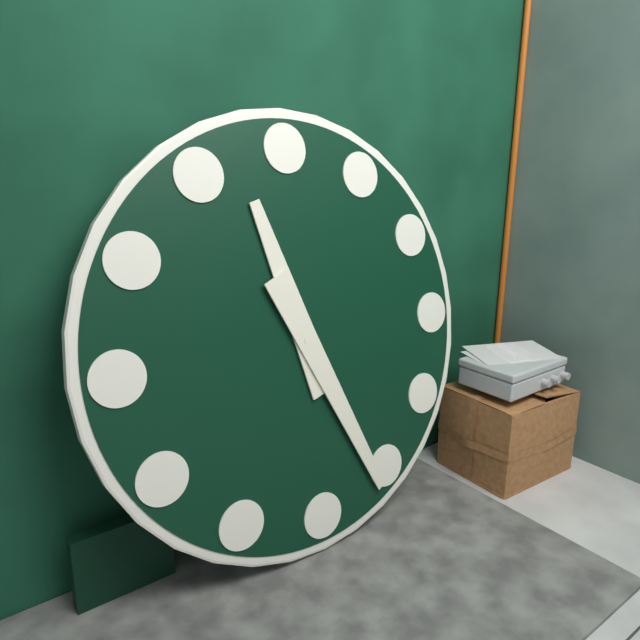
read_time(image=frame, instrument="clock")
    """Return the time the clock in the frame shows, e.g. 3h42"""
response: 11h26
